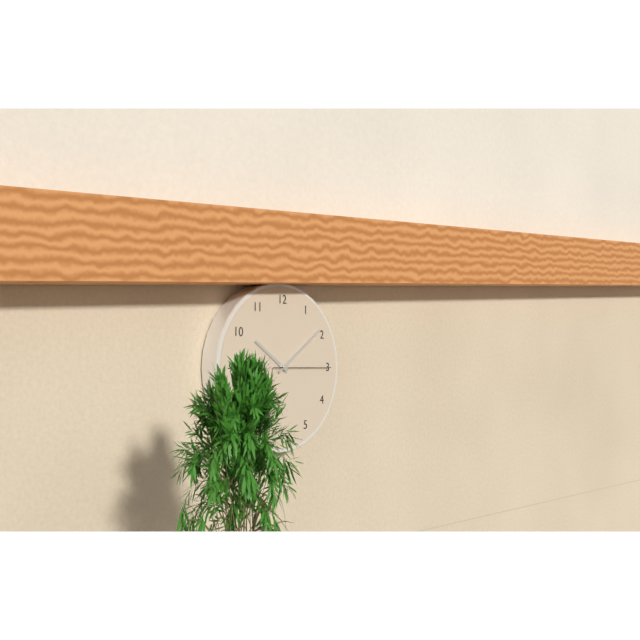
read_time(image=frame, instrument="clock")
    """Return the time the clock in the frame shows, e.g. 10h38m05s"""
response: 10h09m15s
